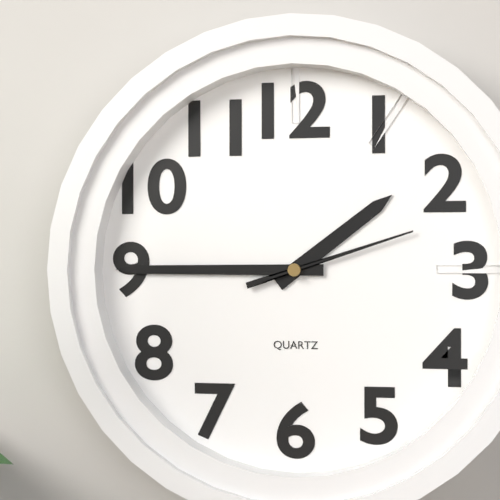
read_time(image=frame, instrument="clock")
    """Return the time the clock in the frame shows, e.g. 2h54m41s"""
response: 1h45m12s
